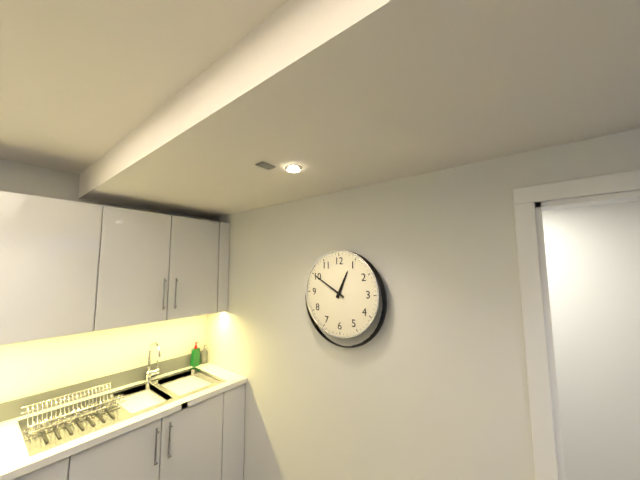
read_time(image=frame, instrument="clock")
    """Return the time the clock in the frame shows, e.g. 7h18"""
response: 12h50
